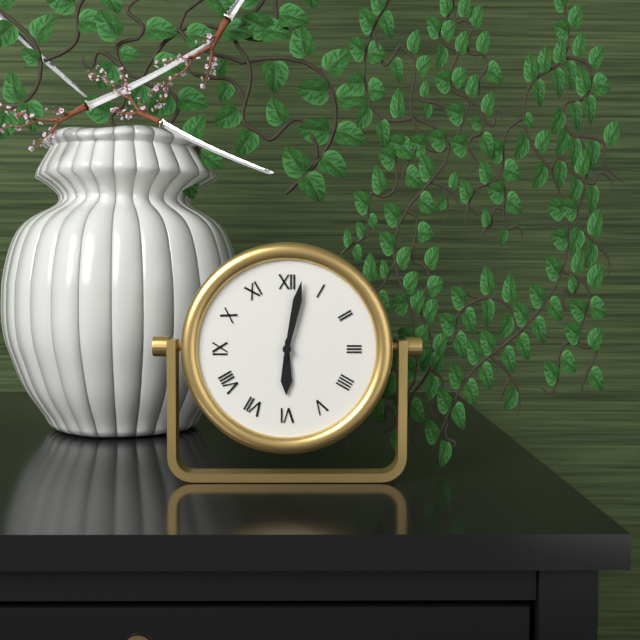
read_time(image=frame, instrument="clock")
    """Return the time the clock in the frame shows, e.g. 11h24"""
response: 6h02
